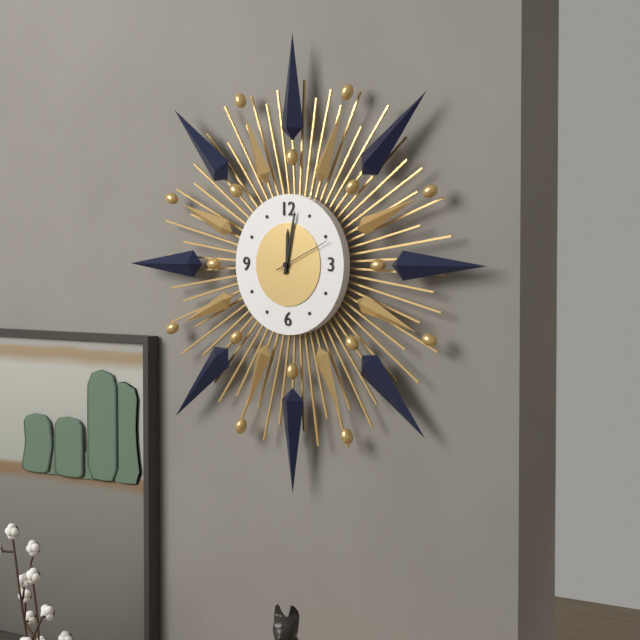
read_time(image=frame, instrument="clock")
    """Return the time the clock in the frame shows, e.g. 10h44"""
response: 12h02
